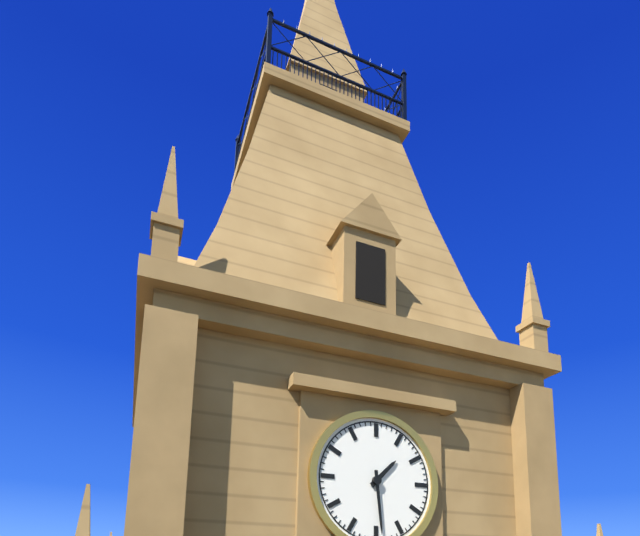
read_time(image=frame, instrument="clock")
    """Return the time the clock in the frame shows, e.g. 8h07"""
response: 1h29
